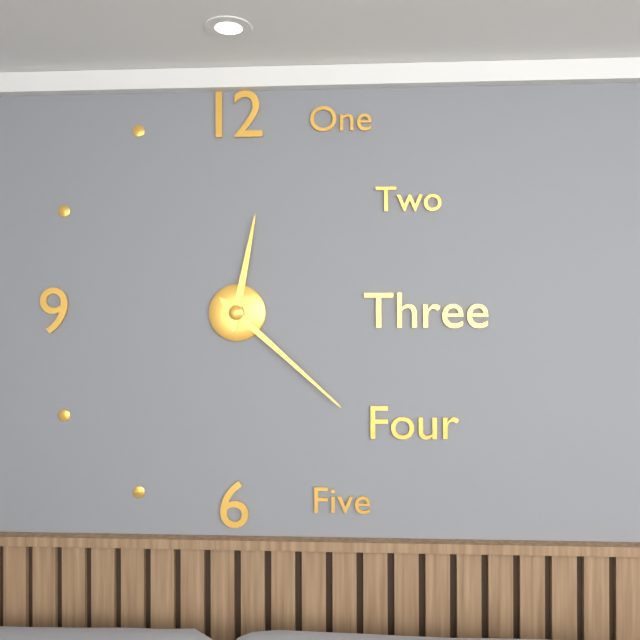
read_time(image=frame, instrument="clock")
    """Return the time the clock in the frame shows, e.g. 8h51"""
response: 12h22
